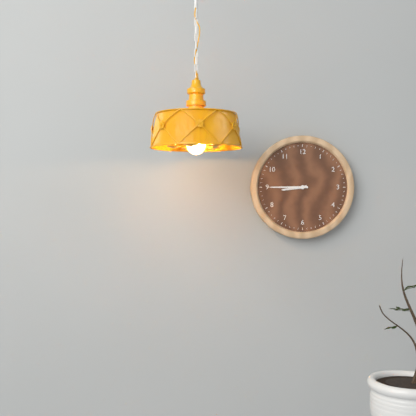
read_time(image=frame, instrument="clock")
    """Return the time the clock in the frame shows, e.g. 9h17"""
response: 8h45
